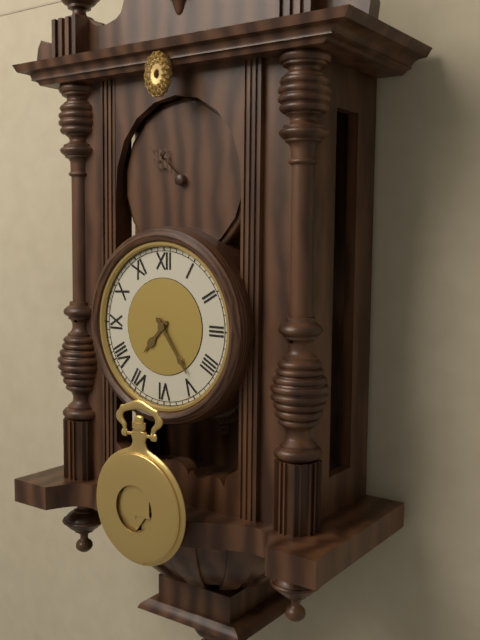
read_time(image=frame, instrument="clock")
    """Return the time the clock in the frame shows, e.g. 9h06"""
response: 7h24
